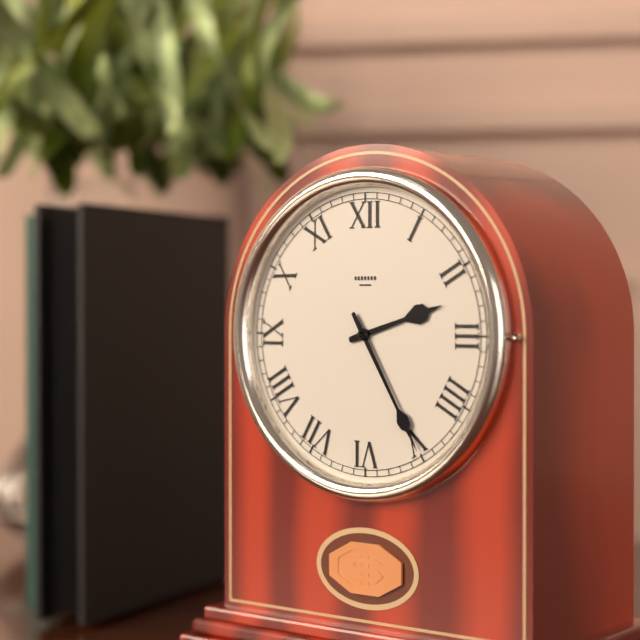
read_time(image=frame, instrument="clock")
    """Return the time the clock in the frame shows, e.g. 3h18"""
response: 2h25
